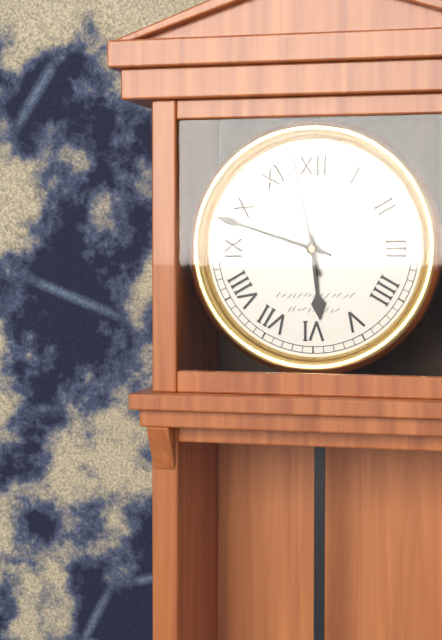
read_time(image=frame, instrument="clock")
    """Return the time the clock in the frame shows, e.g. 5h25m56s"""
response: 5h48m58s
